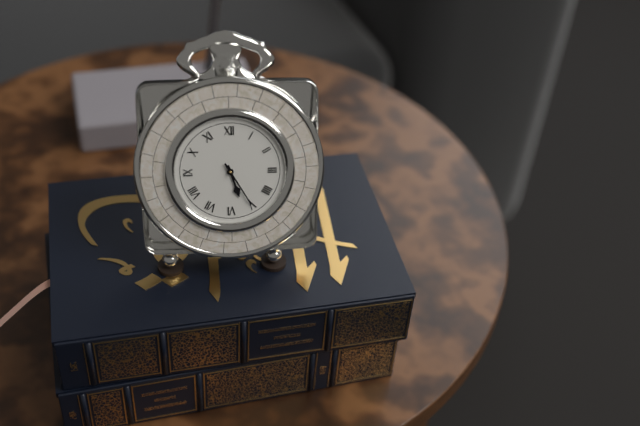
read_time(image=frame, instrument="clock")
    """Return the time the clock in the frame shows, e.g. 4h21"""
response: 5h25
